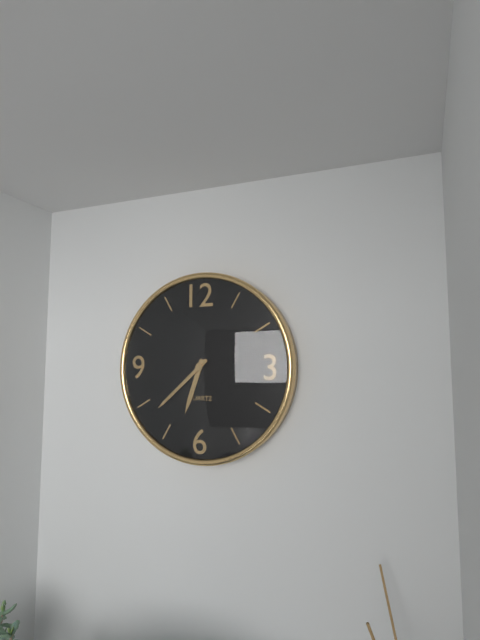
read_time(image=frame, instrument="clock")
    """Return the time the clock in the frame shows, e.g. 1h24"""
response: 6h38
